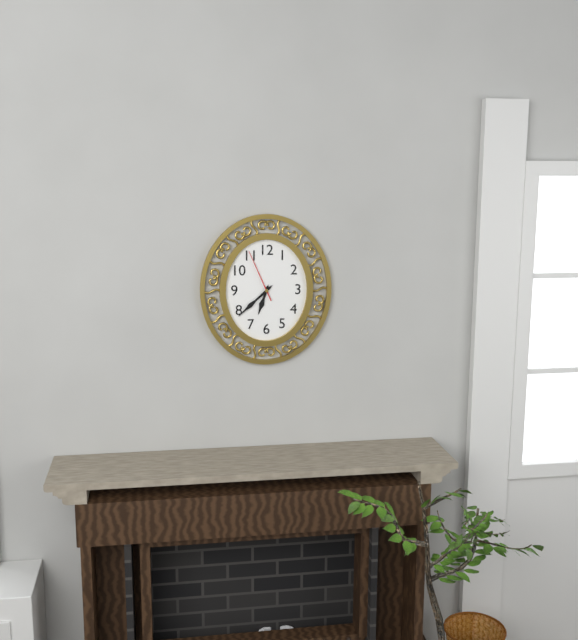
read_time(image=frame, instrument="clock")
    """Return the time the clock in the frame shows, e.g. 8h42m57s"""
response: 6h38m56s
